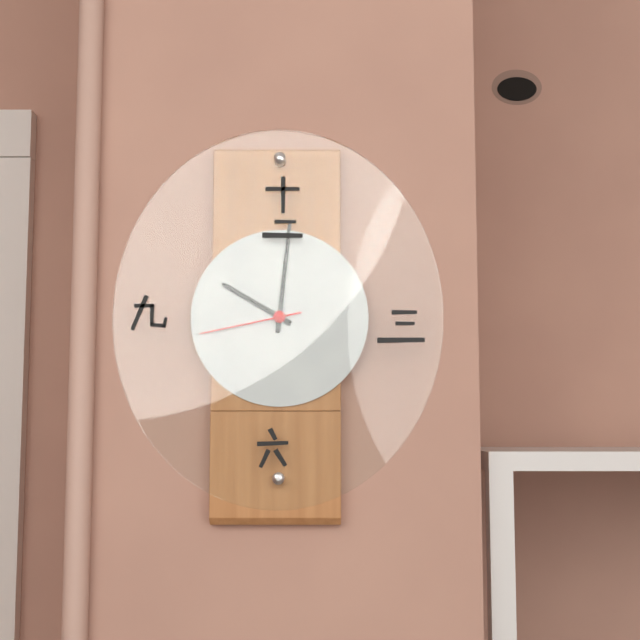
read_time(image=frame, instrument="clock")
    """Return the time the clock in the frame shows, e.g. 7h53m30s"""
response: 10h01m43s
